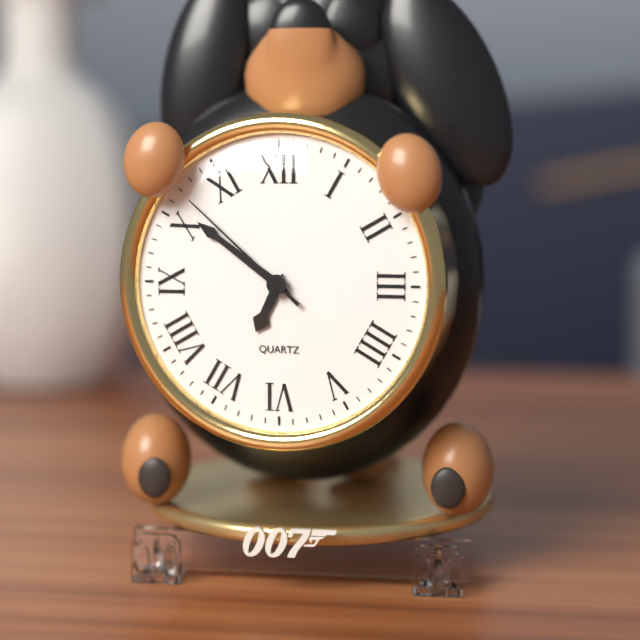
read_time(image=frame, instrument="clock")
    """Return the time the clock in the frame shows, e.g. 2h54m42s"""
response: 6h51m52s
